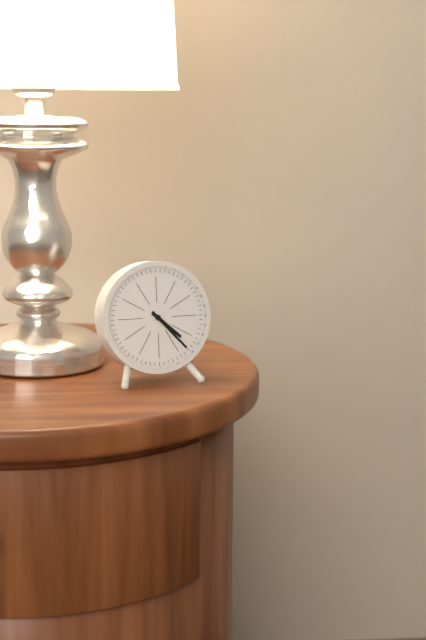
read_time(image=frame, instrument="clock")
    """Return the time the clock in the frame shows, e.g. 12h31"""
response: 4h23
